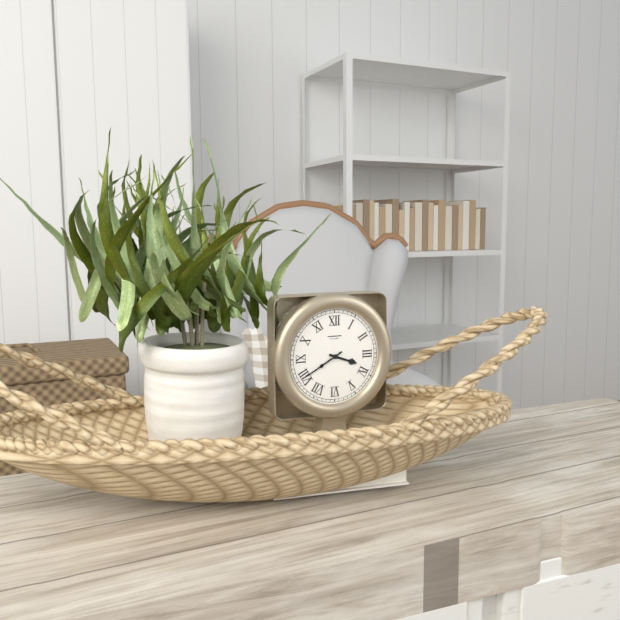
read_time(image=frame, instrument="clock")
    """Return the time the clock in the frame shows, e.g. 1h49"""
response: 3h40
